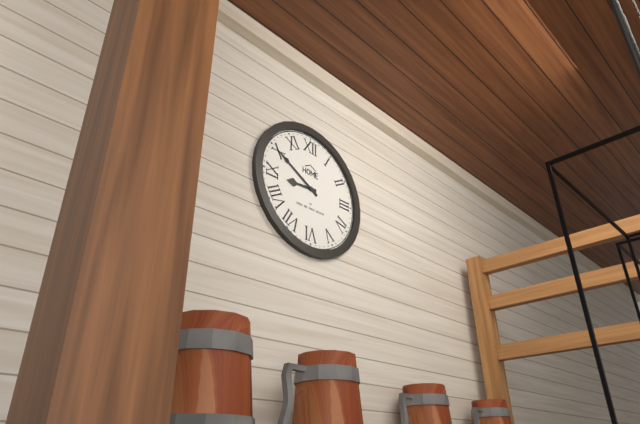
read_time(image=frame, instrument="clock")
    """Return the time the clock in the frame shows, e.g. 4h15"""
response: 8h50
